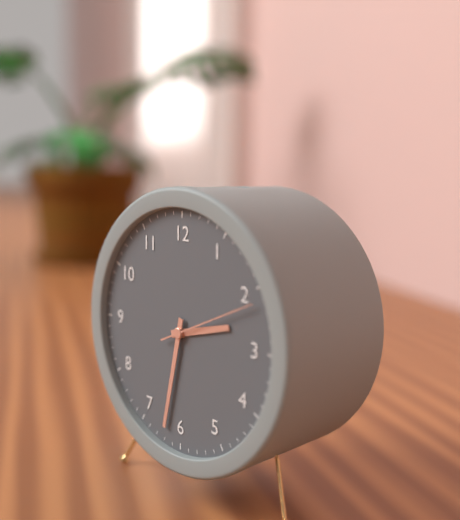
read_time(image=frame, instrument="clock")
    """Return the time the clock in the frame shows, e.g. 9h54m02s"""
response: 2h32m11s
